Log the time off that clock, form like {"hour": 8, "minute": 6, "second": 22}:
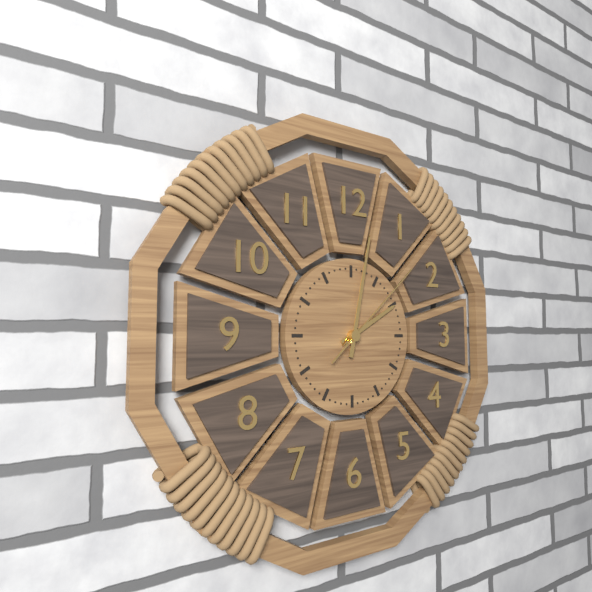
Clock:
{"hour": 2, "minute": 2, "second": 8}
